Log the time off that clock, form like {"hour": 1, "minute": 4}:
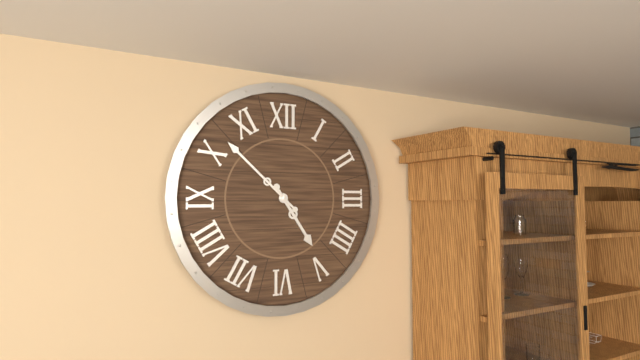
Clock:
{"hour": 4, "minute": 52}
